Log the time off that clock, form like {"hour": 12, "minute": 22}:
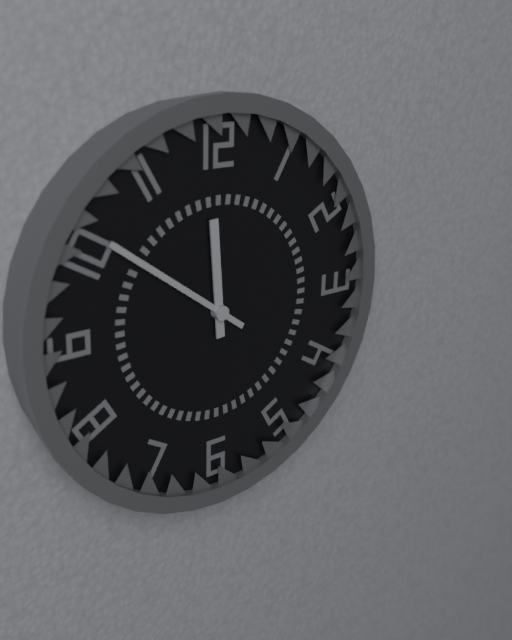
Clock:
{"hour": 11, "minute": 51}
